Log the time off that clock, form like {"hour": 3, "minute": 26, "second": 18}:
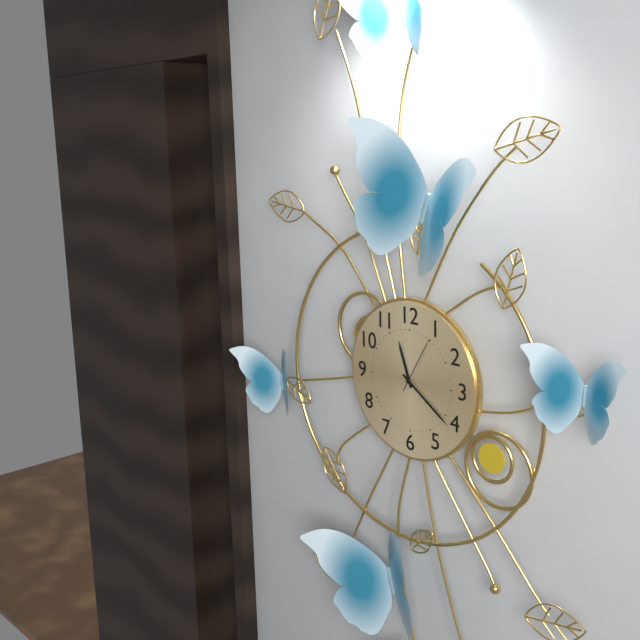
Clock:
{"hour": 11, "minute": 21, "second": 5}
